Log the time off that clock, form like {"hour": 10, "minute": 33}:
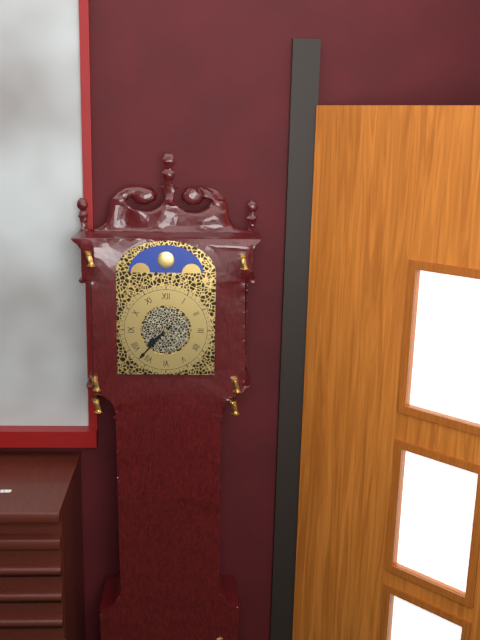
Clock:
{"hour": 7, "minute": 37}
